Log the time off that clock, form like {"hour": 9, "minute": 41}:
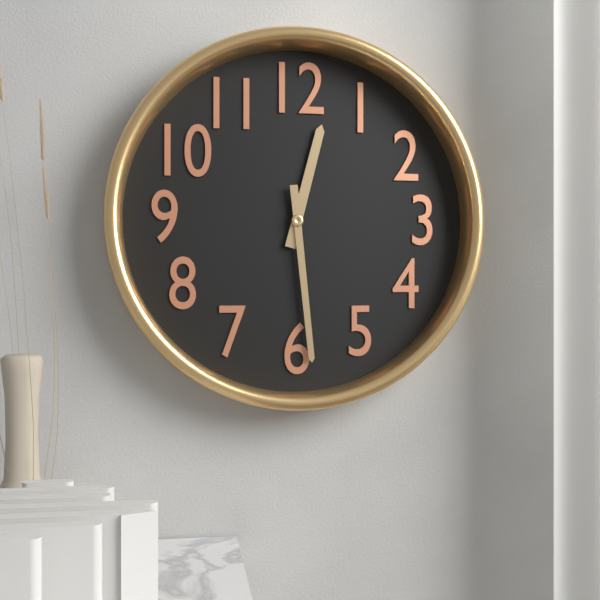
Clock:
{"hour": 12, "minute": 29}
